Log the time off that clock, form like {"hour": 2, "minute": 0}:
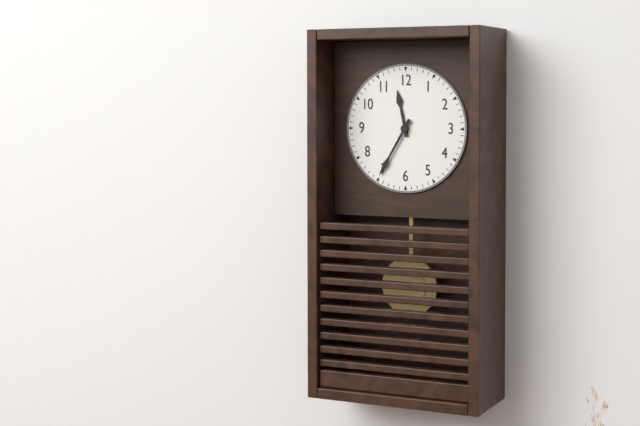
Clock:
{"hour": 11, "minute": 35}
